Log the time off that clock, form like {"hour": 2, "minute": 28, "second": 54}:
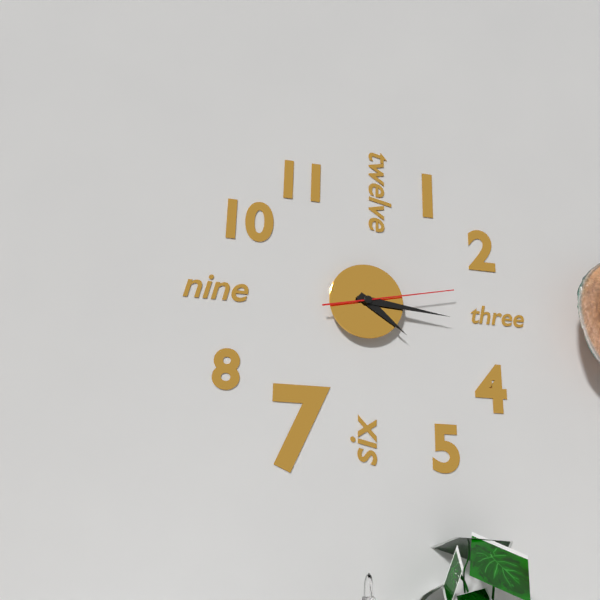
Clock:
{"hour": 4, "minute": 16, "second": 13}
